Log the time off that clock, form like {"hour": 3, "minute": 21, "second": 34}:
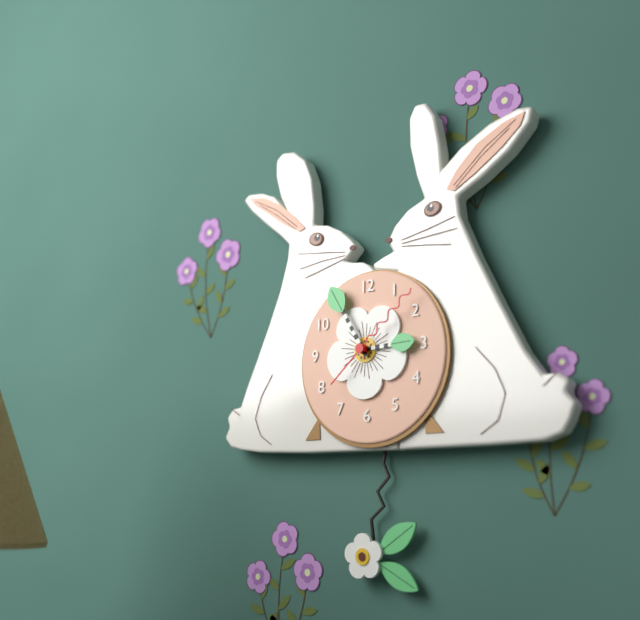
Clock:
{"hour": 2, "minute": 55, "second": 8}
